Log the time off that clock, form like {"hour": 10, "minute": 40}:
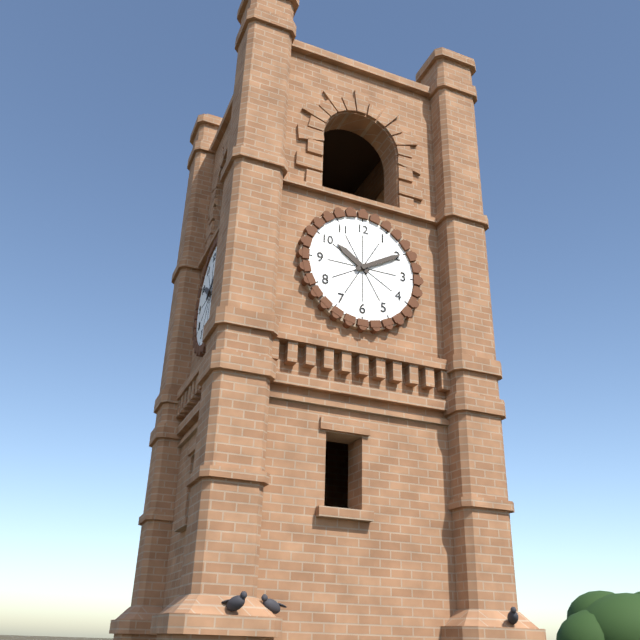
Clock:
{"hour": 10, "minute": 10}
